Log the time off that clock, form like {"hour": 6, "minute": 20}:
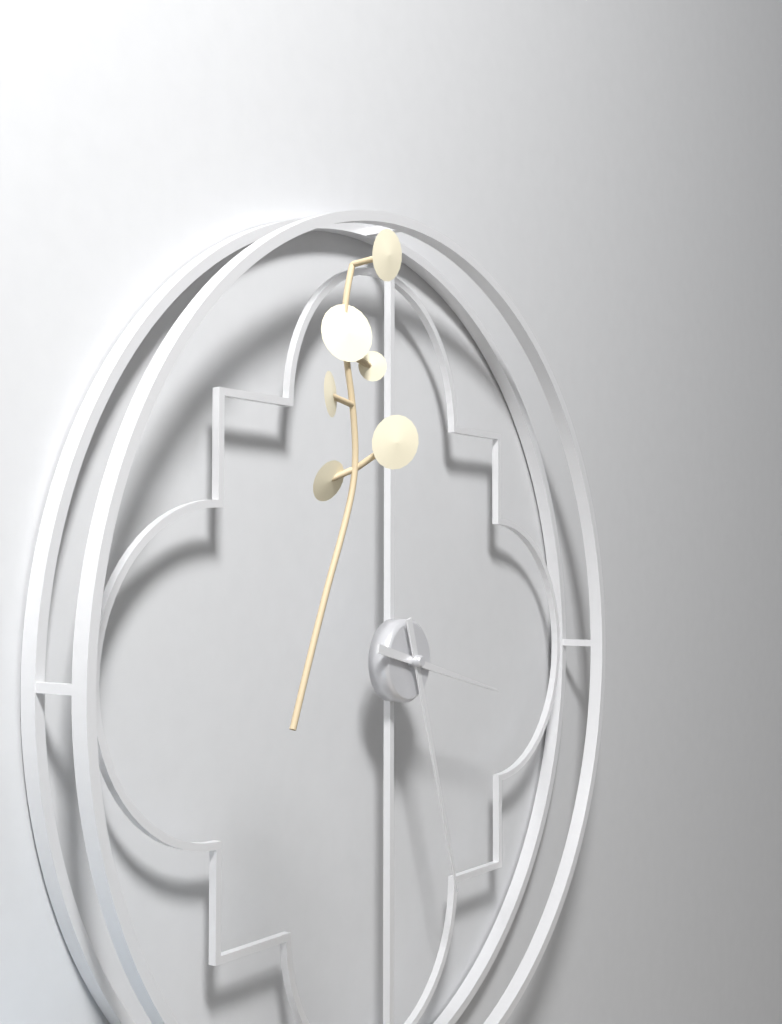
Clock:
{"hour": 3, "minute": 27}
